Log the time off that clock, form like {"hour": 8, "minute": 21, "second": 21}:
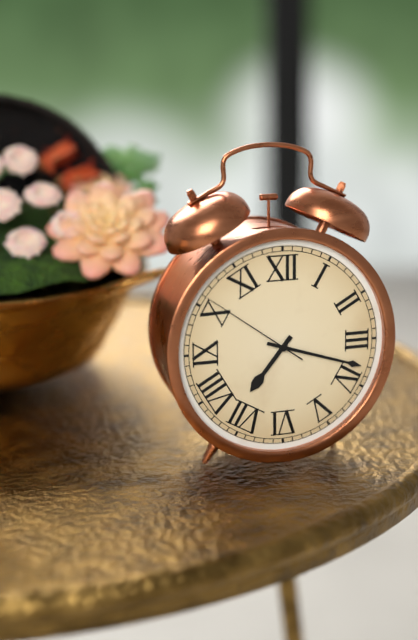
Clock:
{"hour": 7, "minute": 18, "second": 51}
